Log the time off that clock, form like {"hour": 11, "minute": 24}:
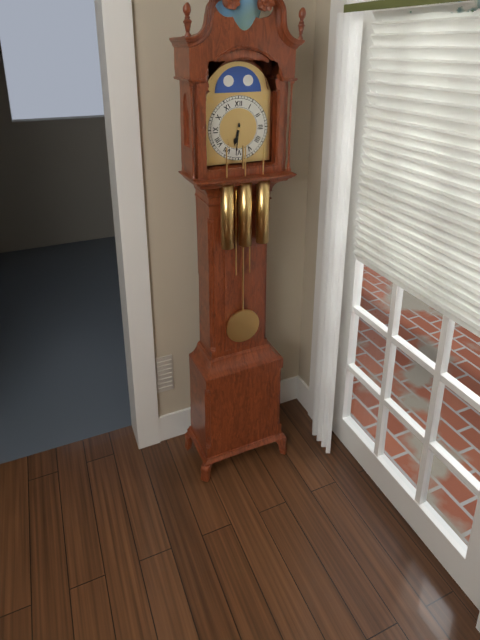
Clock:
{"hour": 6, "minute": 31}
